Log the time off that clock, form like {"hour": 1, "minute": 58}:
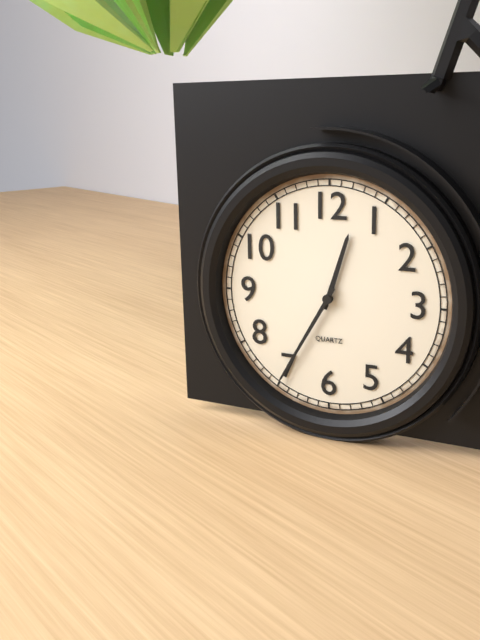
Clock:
{"hour": 12, "minute": 35}
